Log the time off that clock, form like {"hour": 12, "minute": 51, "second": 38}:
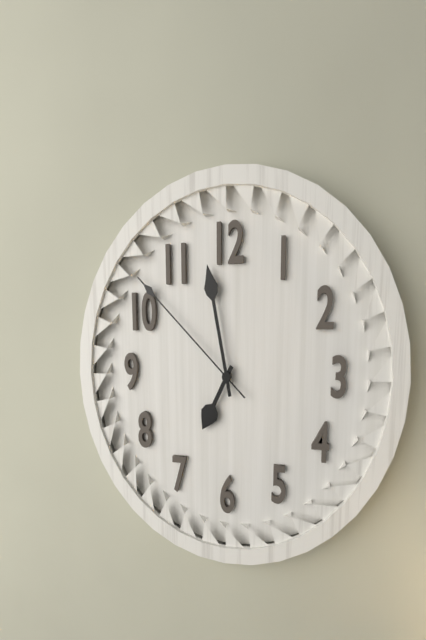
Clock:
{"hour": 6, "minute": 58, "second": 52}
